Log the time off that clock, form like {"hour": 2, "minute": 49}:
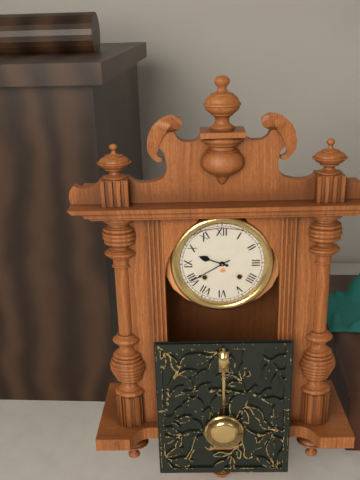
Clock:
{"hour": 9, "minute": 40}
